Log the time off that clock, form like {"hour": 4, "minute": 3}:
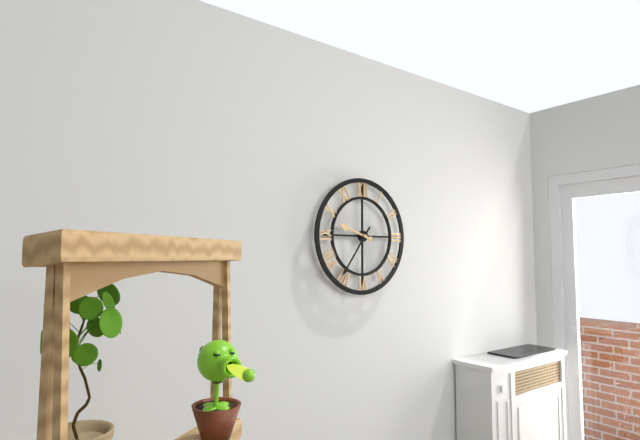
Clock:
{"hour": 9, "minute": 36}
